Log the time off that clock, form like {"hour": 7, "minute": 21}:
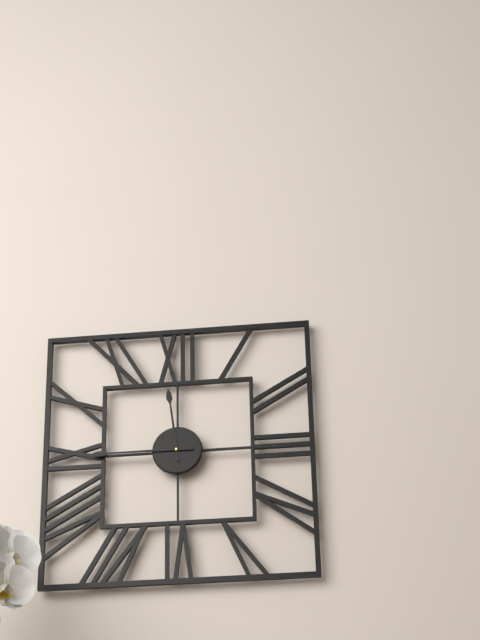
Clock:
{"hour": 11, "minute": 45}
